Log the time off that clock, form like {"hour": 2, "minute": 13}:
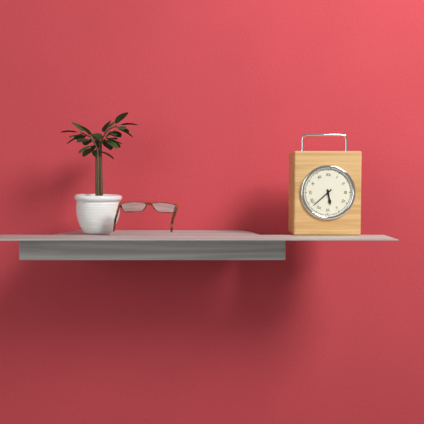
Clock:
{"hour": 5, "minute": 38}
